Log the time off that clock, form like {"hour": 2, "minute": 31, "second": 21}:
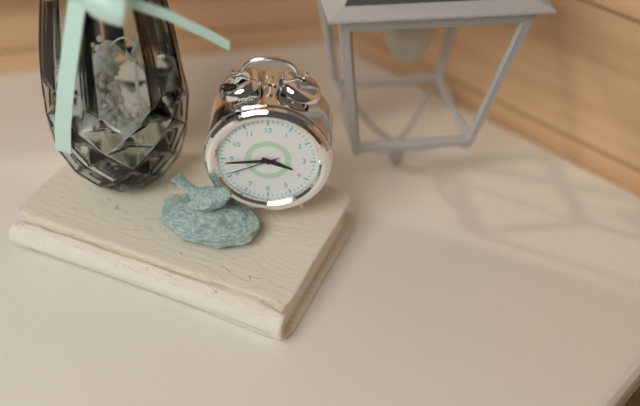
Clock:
{"hour": 3, "minute": 44, "second": 41}
